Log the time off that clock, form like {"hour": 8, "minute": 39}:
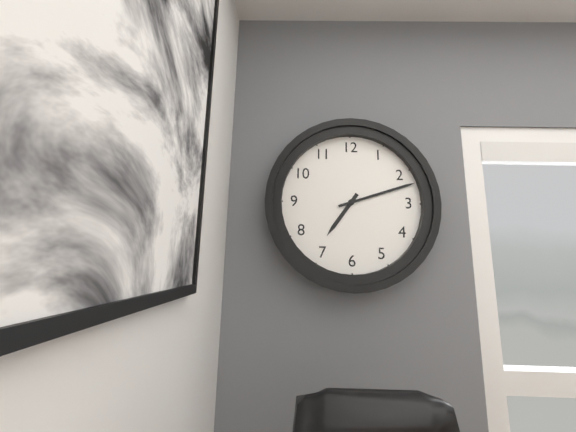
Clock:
{"hour": 7, "minute": 12}
